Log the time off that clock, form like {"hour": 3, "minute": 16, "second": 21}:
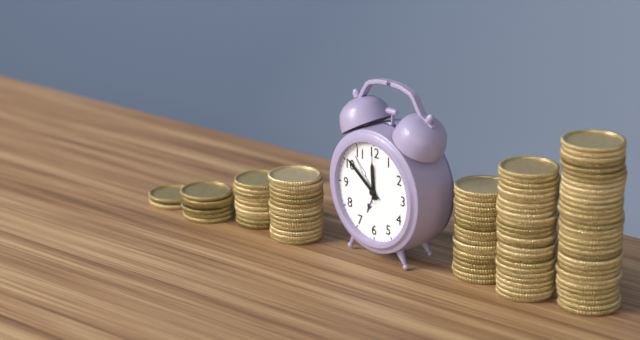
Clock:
{"hour": 11, "minute": 51, "second": 0}
